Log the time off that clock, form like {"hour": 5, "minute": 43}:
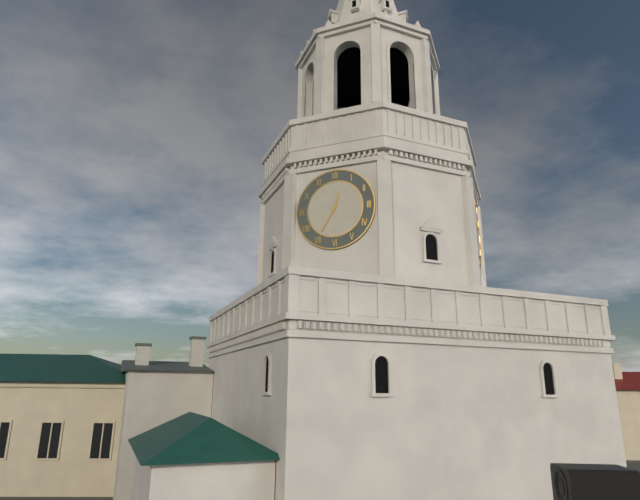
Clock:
{"hour": 12, "minute": 35}
